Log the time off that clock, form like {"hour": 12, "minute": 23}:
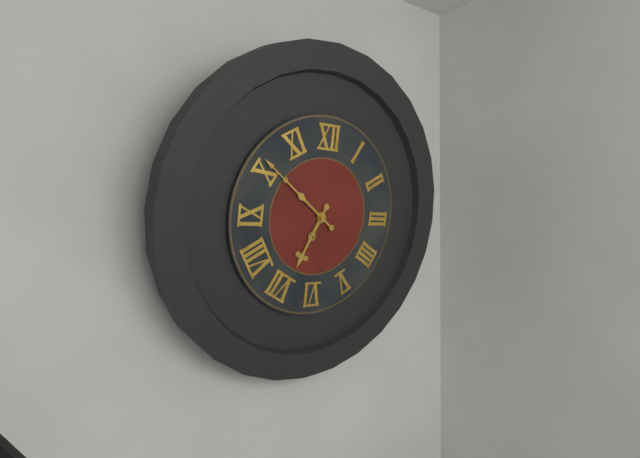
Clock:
{"hour": 6, "minute": 51}
